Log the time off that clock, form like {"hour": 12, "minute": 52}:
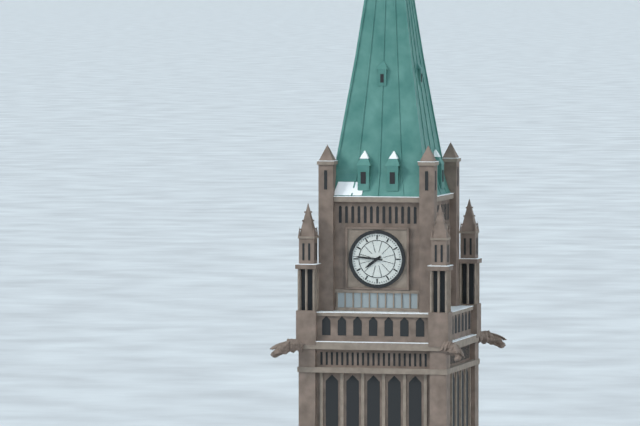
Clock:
{"hour": 7, "minute": 46}
